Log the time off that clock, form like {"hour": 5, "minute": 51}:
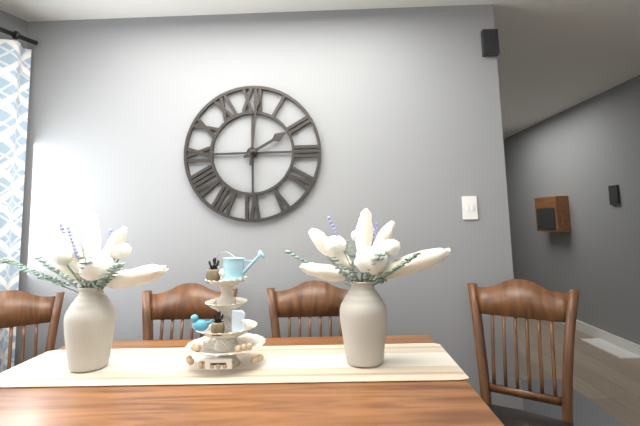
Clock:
{"hour": 2, "minute": 1}
